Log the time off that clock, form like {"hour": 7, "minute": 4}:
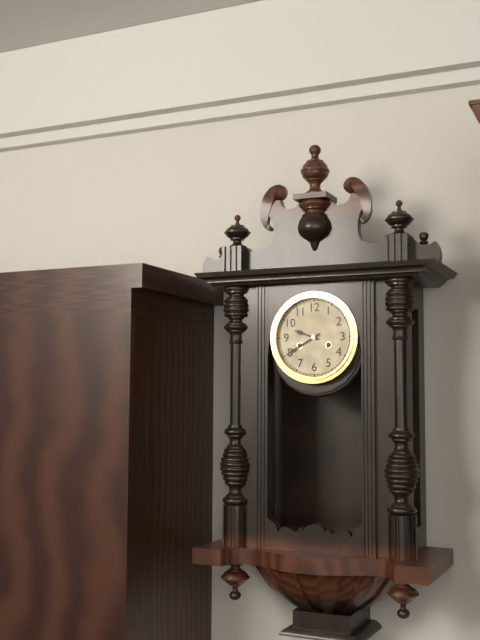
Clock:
{"hour": 9, "minute": 40}
